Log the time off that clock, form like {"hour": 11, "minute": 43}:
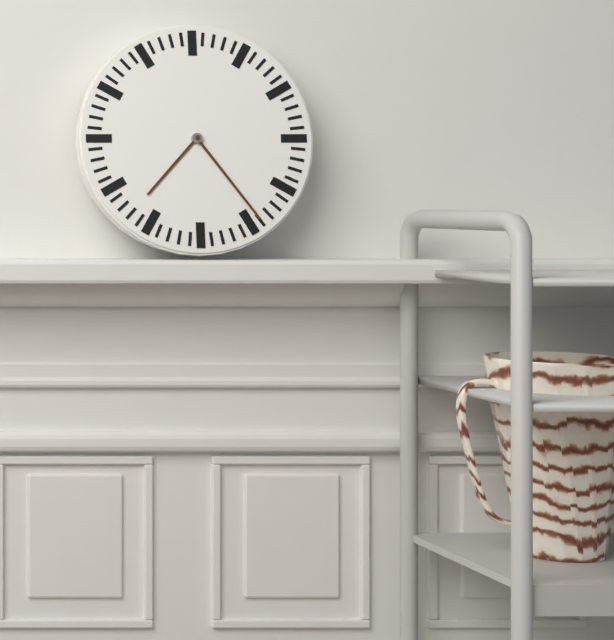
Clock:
{"hour": 7, "minute": 24}
